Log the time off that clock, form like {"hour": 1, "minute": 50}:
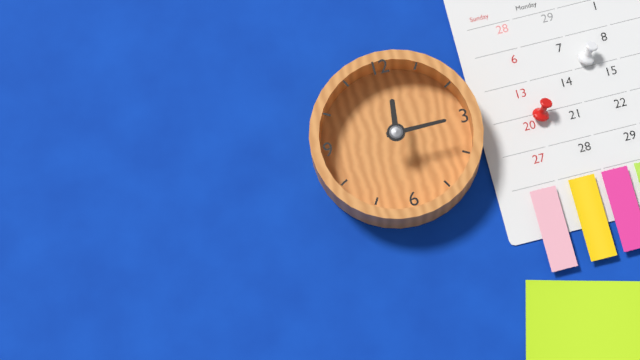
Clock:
{"hour": 12, "minute": 15}
